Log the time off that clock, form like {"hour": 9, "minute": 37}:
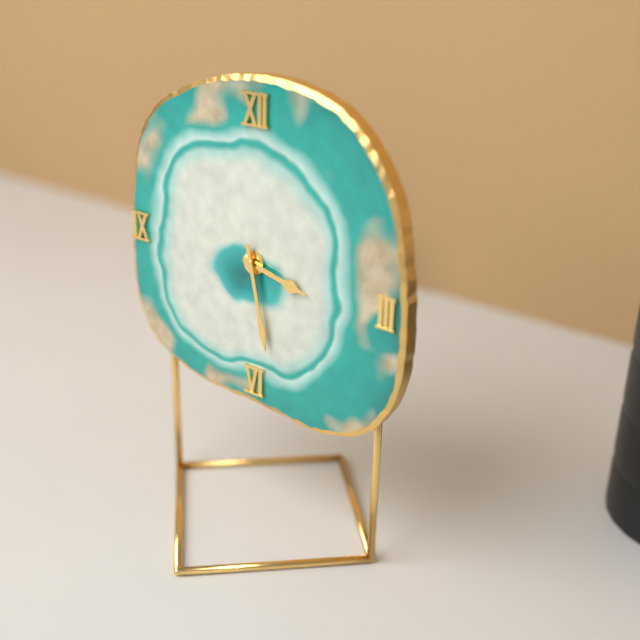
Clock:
{"hour": 3, "minute": 28}
